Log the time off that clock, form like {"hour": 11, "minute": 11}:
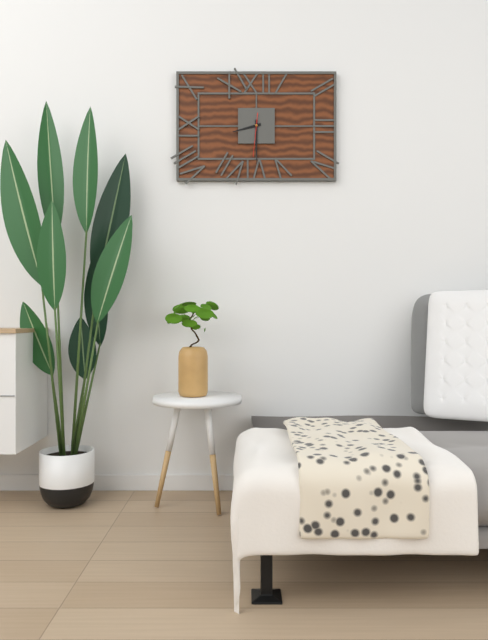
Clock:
{"hour": 8, "minute": 30}
